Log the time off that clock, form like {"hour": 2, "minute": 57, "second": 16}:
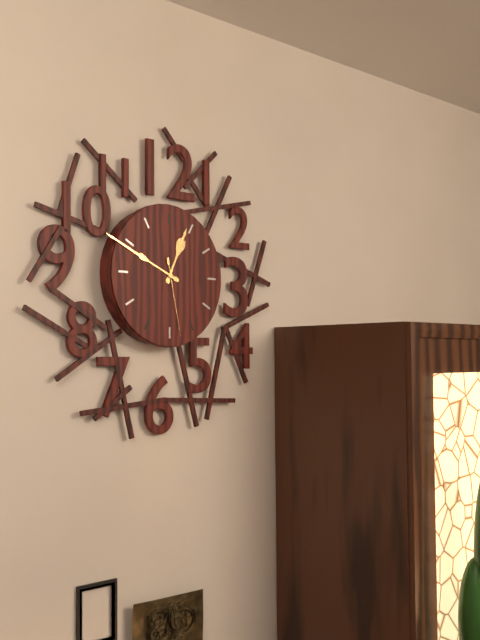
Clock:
{"hour": 12, "minute": 49, "second": 28}
